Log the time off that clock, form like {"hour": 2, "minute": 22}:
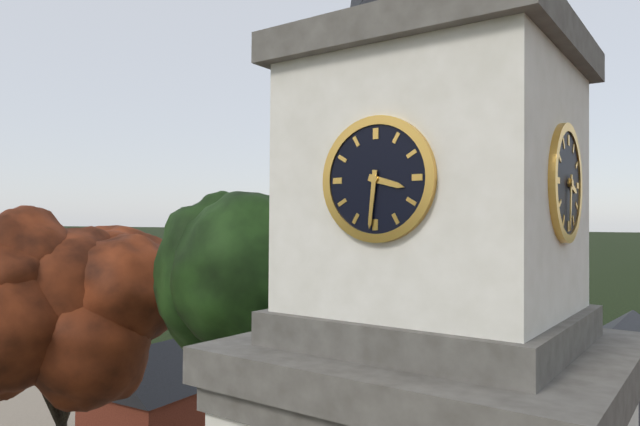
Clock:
{"hour": 3, "minute": 31}
